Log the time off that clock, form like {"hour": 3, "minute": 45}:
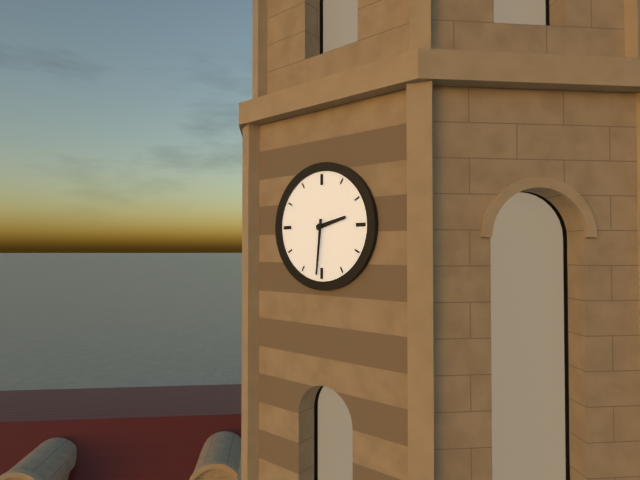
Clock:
{"hour": 2, "minute": 31}
